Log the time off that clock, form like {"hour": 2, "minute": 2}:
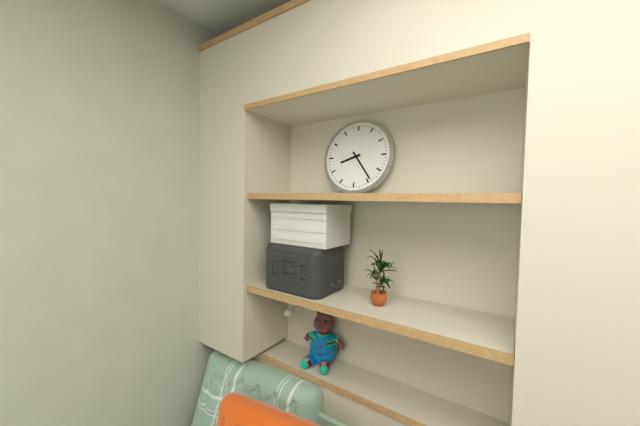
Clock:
{"hour": 8, "minute": 24}
